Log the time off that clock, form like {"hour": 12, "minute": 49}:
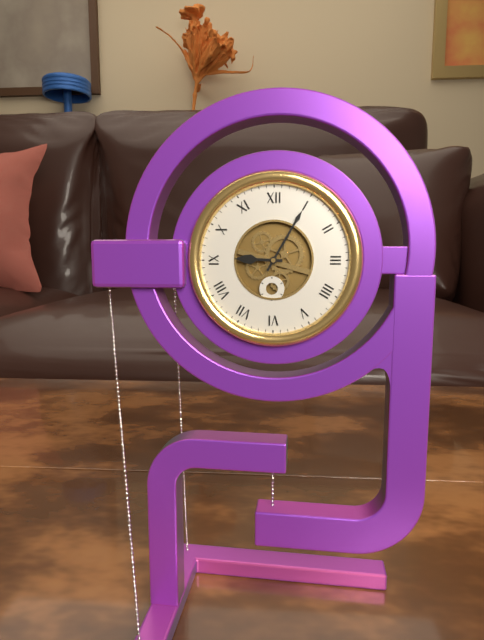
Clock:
{"hour": 9, "minute": 5}
